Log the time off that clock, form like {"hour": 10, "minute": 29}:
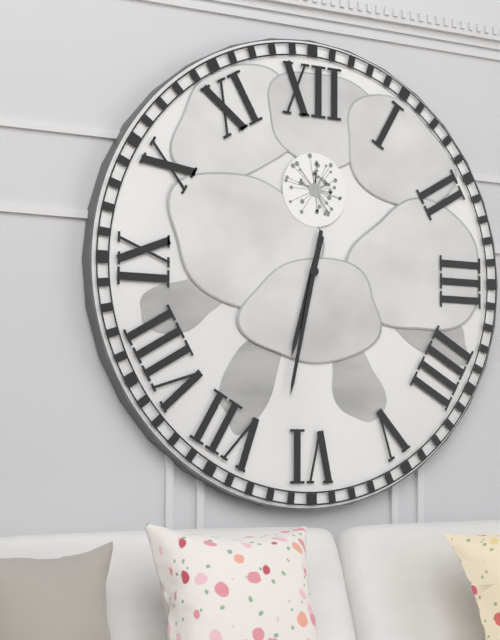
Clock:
{"hour": 6, "minute": 32}
